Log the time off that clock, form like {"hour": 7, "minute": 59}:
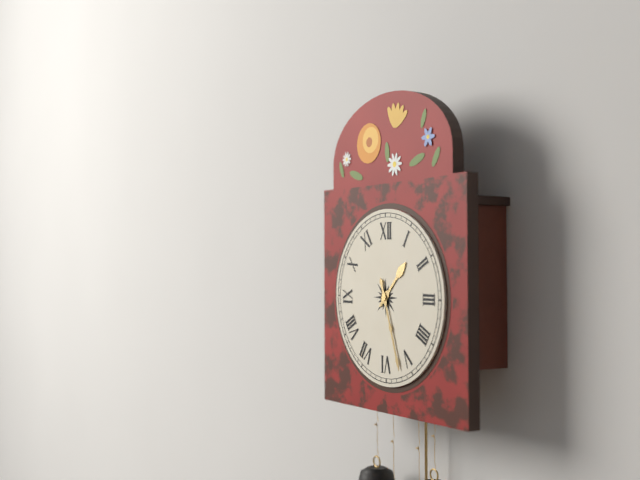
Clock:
{"hour": 1, "minute": 27}
